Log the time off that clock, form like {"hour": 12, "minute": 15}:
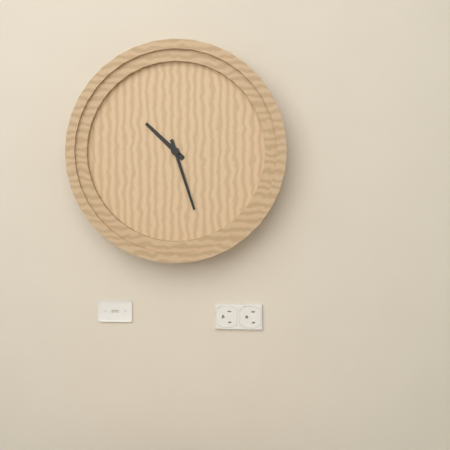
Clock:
{"hour": 10, "minute": 27}
